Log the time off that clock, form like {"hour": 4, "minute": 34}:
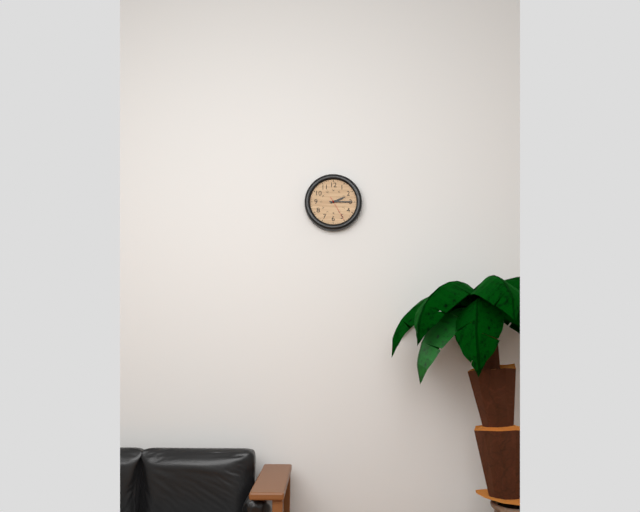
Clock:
{"hour": 2, "minute": 15}
